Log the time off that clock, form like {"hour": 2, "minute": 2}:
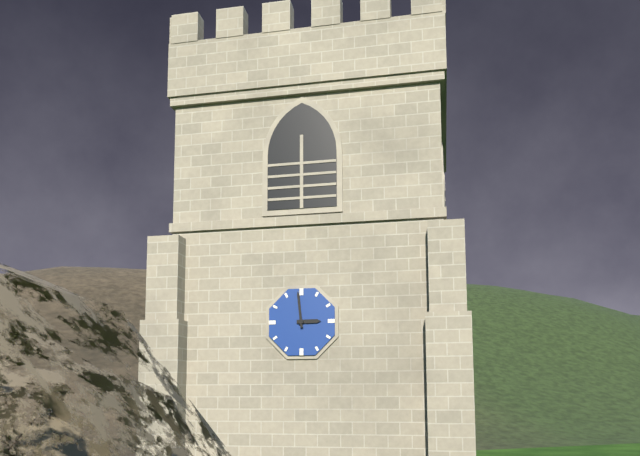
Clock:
{"hour": 2, "minute": 59}
